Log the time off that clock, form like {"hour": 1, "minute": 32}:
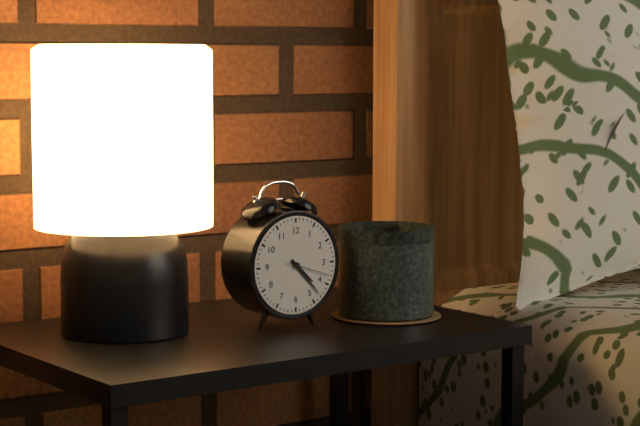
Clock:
{"hour": 4, "minute": 23}
